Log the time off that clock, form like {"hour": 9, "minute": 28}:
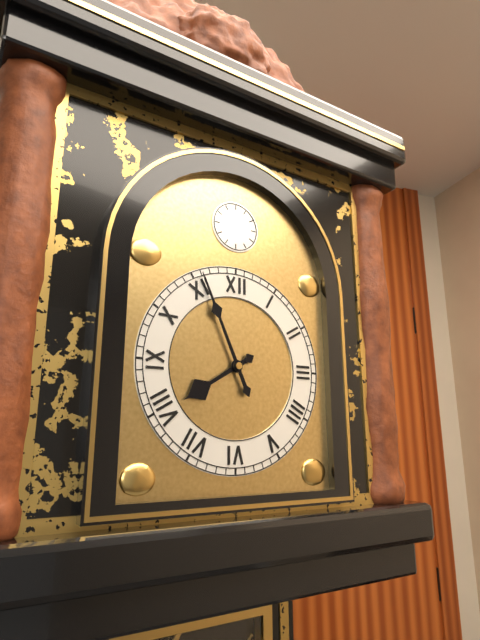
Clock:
{"hour": 7, "minute": 56}
